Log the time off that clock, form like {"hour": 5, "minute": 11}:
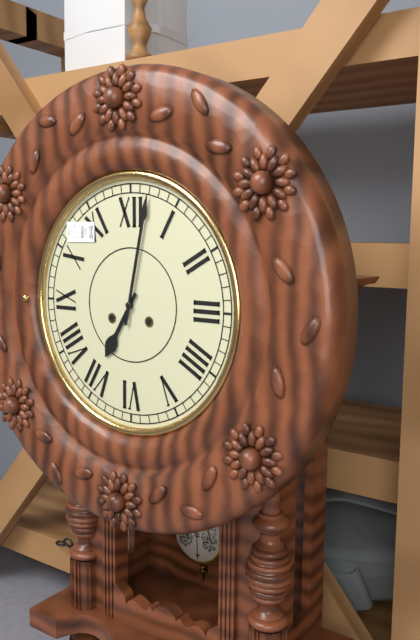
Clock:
{"hour": 7, "minute": 2}
